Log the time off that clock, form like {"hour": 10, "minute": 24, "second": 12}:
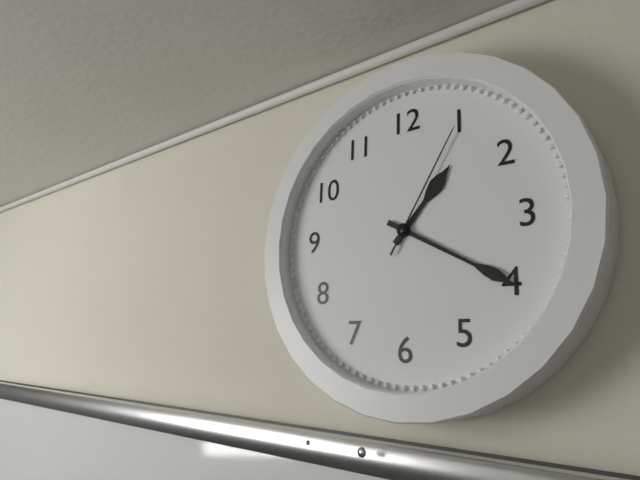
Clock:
{"hour": 1, "minute": 20, "second": 5}
